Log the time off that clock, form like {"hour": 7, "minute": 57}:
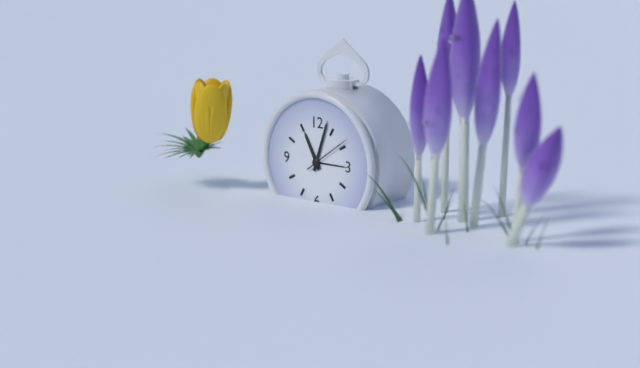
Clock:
{"hour": 11, "minute": 3}
